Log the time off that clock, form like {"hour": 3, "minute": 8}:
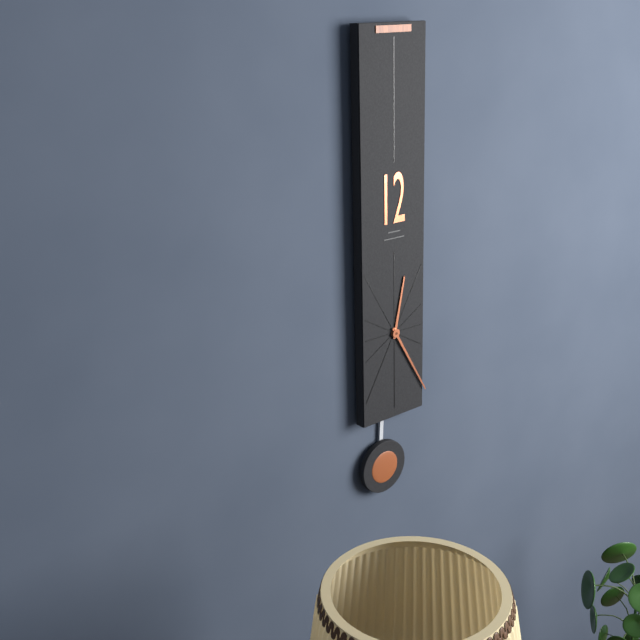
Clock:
{"hour": 12, "minute": 25}
